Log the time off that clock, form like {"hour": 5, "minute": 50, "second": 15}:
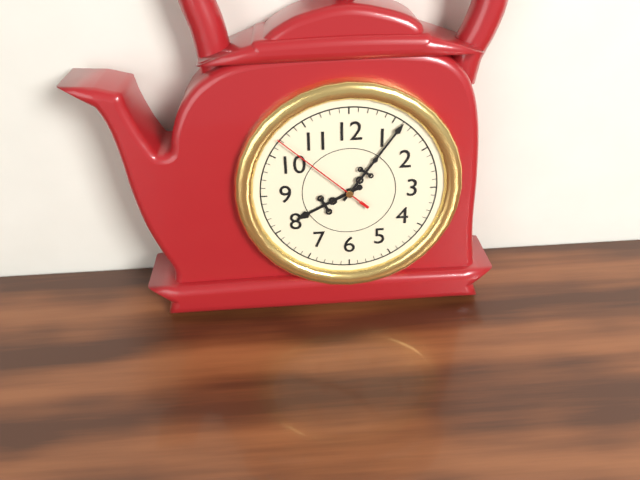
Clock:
{"hour": 8, "minute": 6, "second": 52}
